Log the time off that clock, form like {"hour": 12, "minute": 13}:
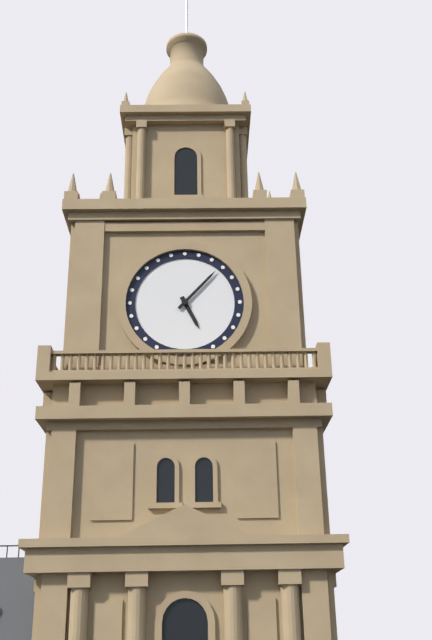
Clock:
{"hour": 5, "minute": 7}
